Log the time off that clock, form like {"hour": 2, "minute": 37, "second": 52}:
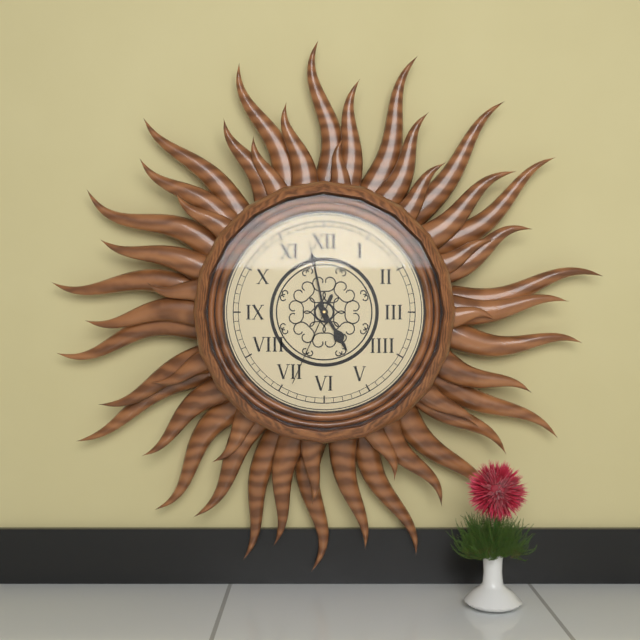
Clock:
{"hour": 4, "minute": 58, "second": 34}
